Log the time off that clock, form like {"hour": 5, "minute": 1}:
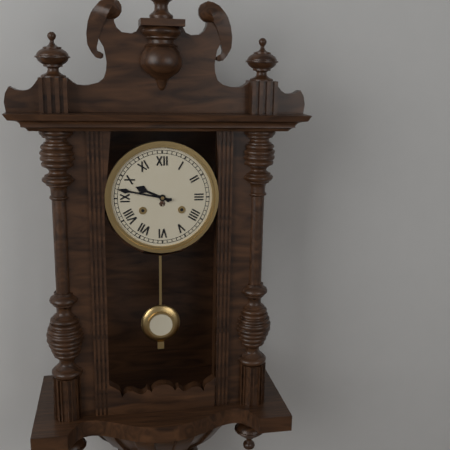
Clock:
{"hour": 9, "minute": 47}
